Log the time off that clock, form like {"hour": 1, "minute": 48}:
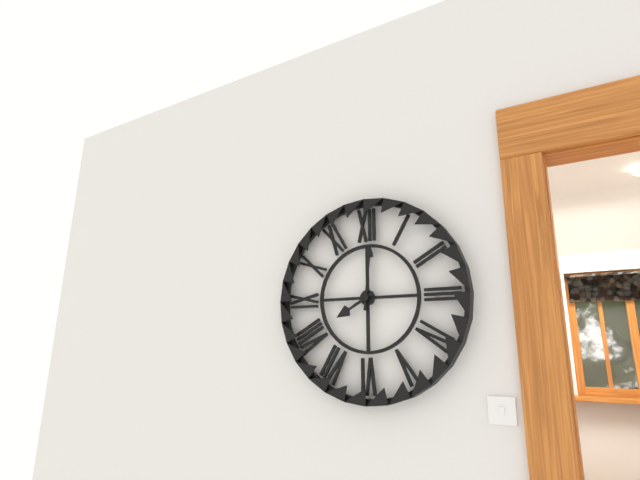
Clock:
{"hour": 8, "minute": 1}
